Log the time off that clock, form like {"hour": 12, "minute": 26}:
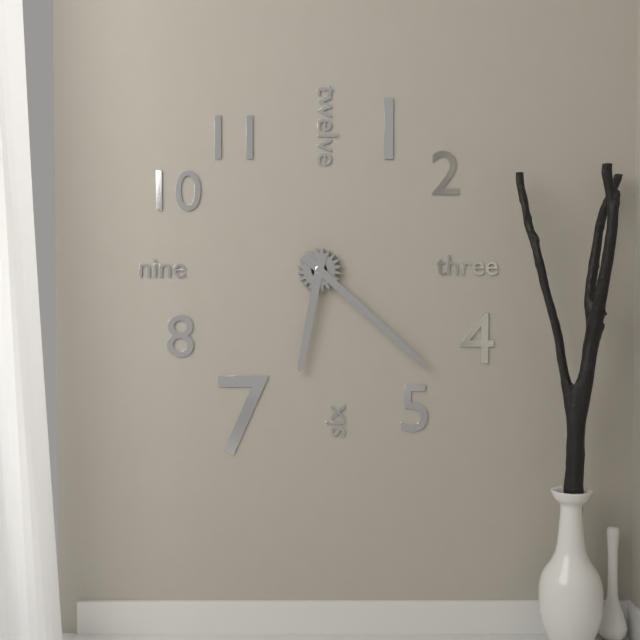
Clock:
{"hour": 6, "minute": 22}
